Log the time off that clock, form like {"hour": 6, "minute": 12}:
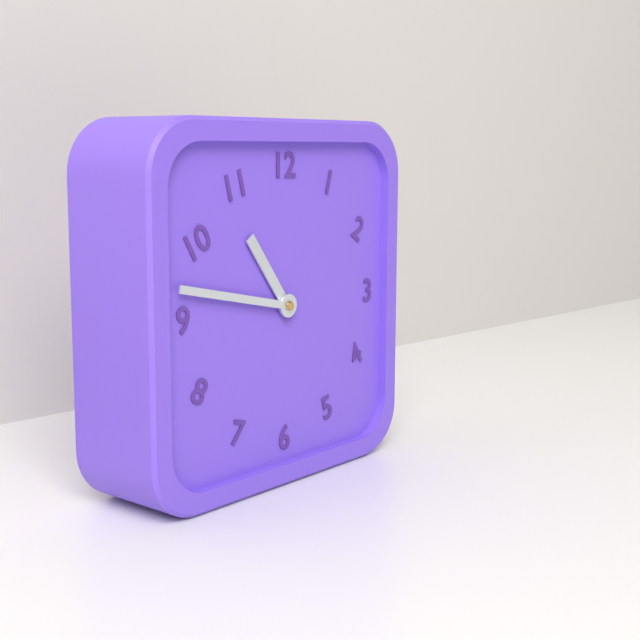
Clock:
{"hour": 10, "minute": 47}
